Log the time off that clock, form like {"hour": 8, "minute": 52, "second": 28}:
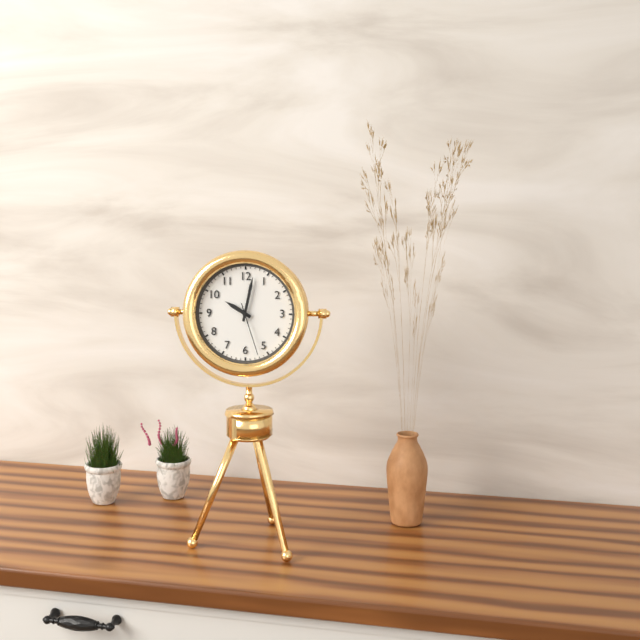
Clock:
{"hour": 10, "minute": 2, "second": 27}
